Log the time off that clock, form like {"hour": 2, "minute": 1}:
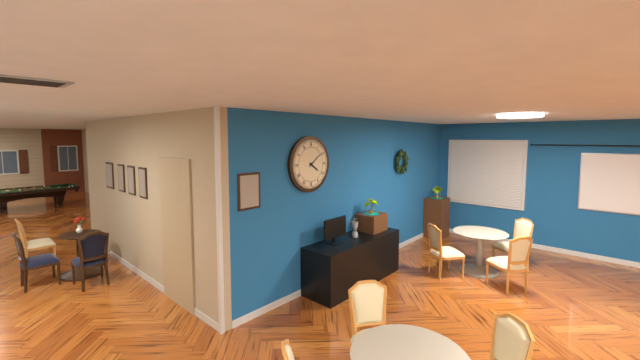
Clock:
{"hour": 4, "minute": 9}
